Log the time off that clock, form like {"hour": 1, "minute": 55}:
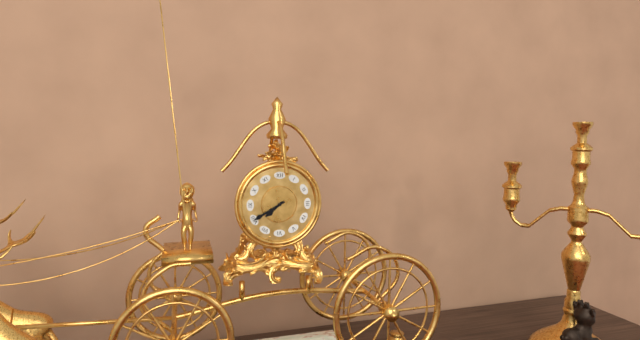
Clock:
{"hour": 7, "minute": 40}
